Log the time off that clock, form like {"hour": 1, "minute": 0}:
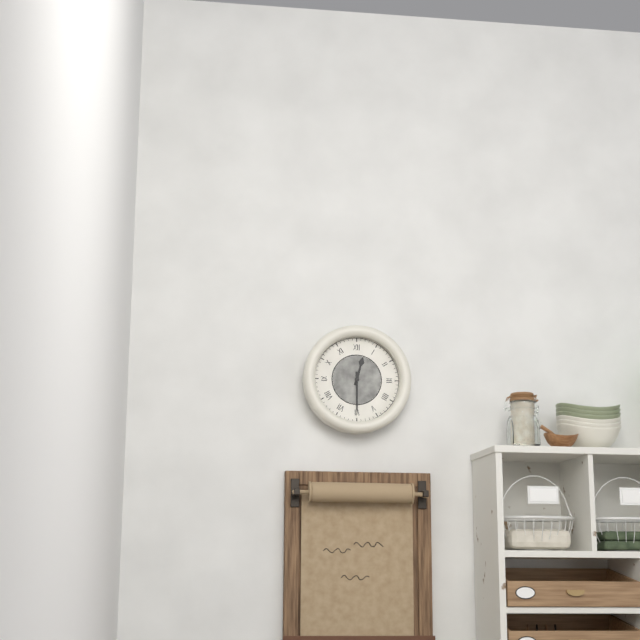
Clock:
{"hour": 12, "minute": 30}
